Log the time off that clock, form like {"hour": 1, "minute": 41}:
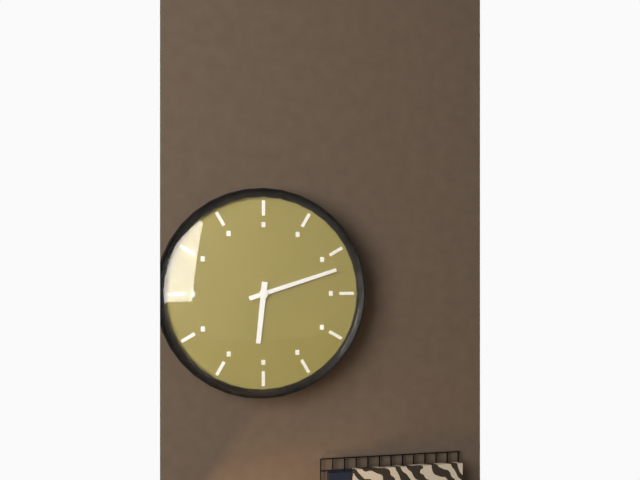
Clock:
{"hour": 6, "minute": 12}
